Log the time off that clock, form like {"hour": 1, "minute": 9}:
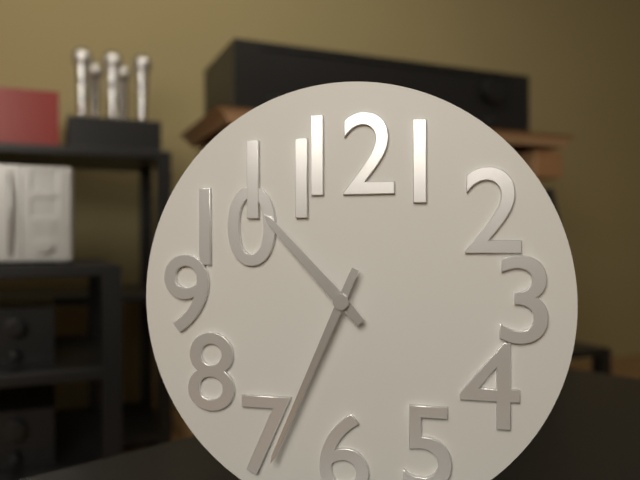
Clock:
{"hour": 10, "minute": 34}
